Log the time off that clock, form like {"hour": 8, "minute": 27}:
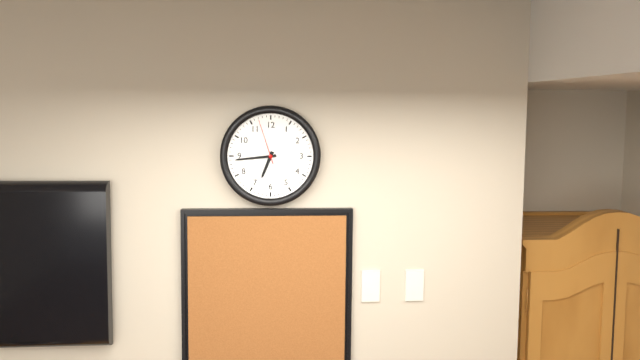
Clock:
{"hour": 6, "minute": 44}
